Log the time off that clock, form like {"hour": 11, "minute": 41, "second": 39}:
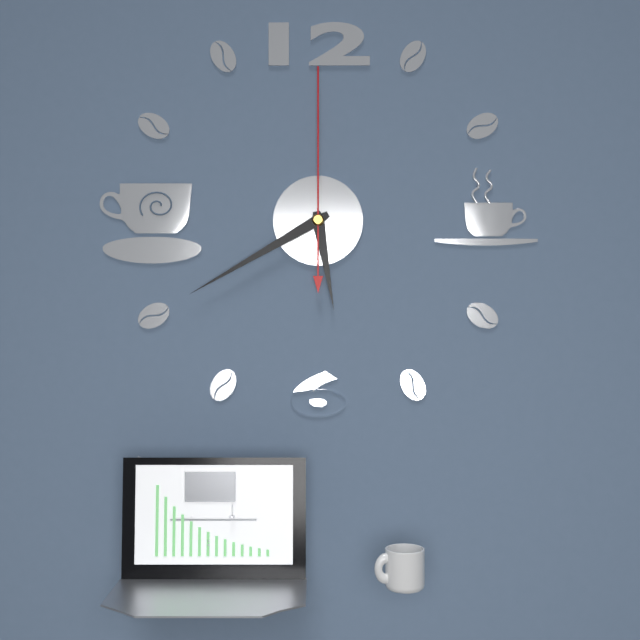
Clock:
{"hour": 5, "minute": 40, "second": 0}
